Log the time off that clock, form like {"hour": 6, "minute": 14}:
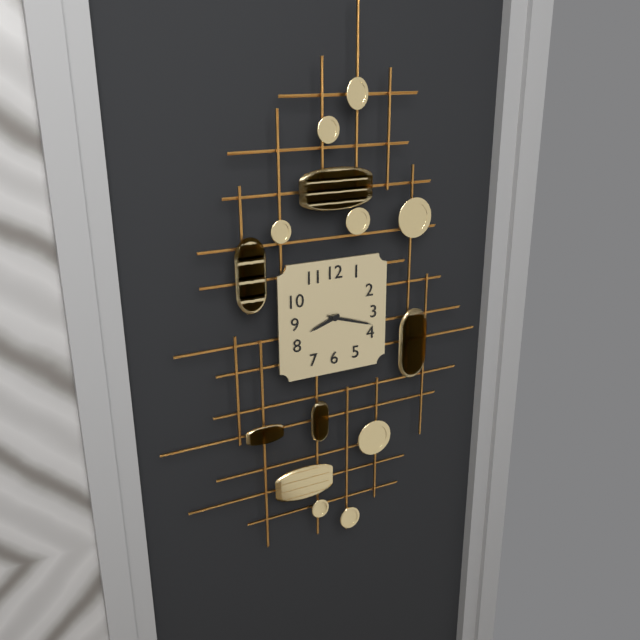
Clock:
{"hour": 8, "minute": 18}
